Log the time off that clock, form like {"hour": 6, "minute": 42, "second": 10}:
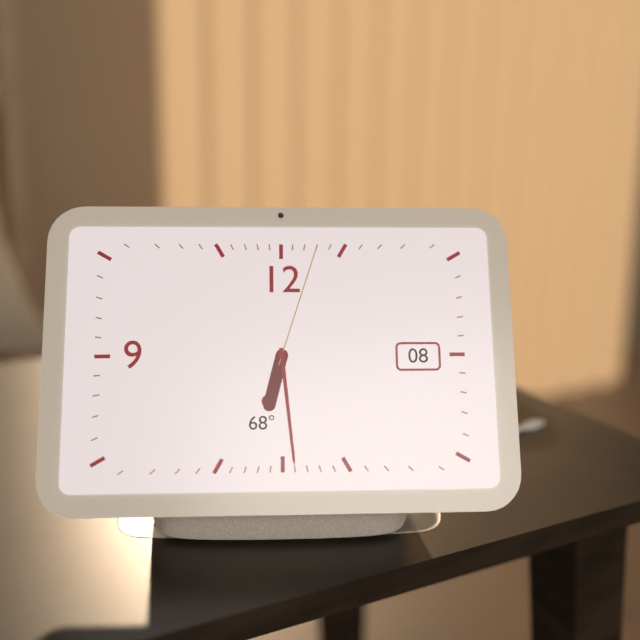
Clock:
{"hour": 6, "minute": 29, "second": 3}
